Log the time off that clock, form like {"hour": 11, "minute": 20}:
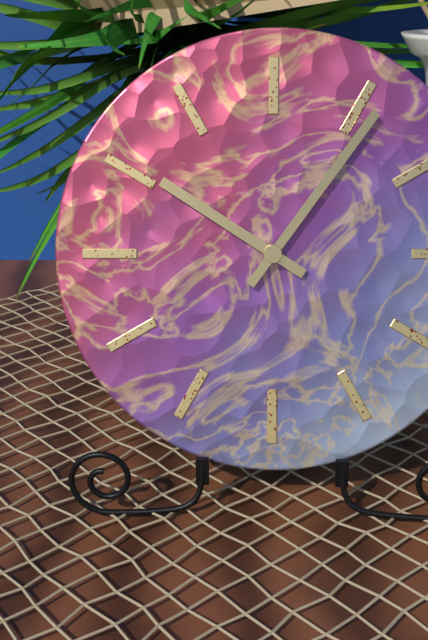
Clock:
{"hour": 10, "minute": 6}
